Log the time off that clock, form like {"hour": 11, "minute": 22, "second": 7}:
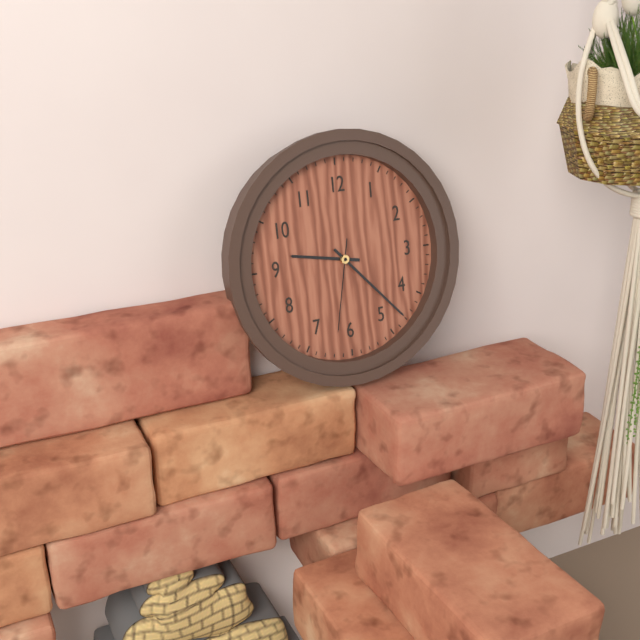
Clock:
{"hour": 9, "minute": 23, "second": 32}
